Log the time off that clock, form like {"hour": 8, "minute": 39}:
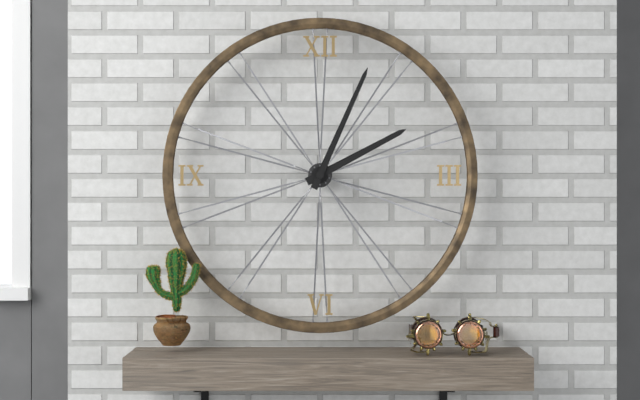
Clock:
{"hour": 2, "minute": 4}
